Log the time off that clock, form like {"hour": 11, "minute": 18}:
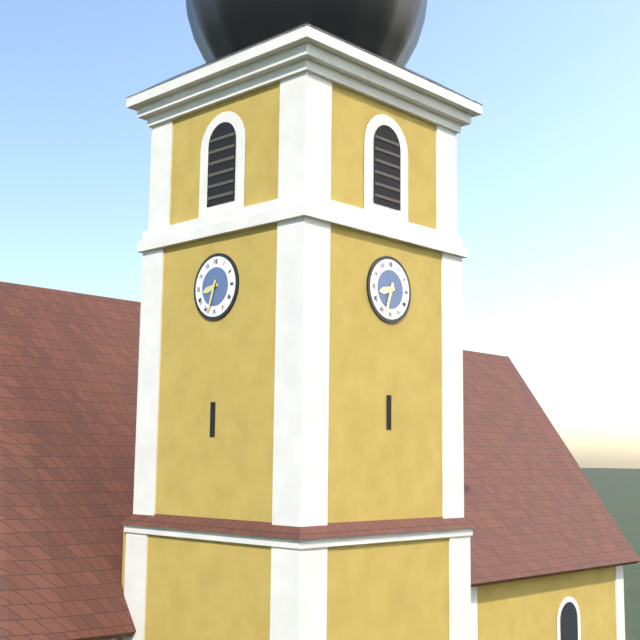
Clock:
{"hour": 8, "minute": 33}
